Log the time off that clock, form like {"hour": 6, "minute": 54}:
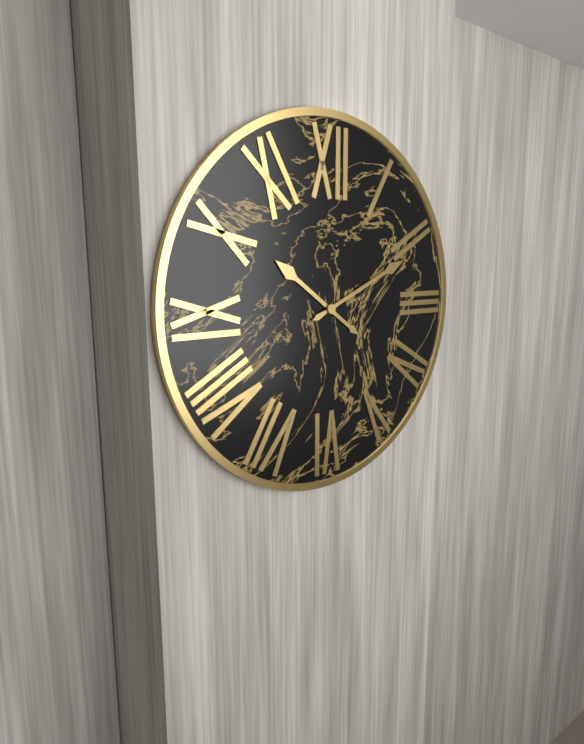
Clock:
{"hour": 10, "minute": 11}
